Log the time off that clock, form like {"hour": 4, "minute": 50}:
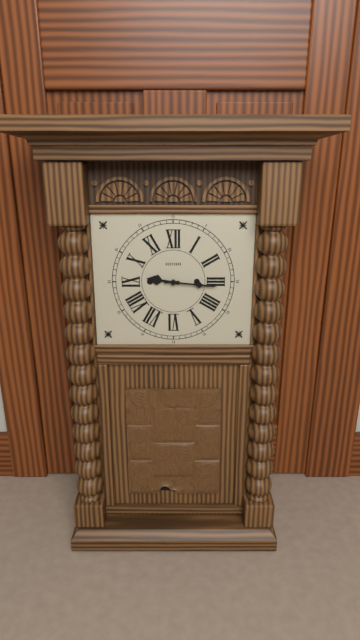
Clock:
{"hour": 9, "minute": 16}
